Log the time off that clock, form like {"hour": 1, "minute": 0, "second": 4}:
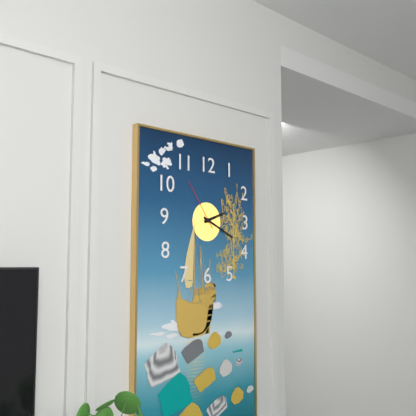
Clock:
{"hour": 2, "minute": 19, "second": 54}
